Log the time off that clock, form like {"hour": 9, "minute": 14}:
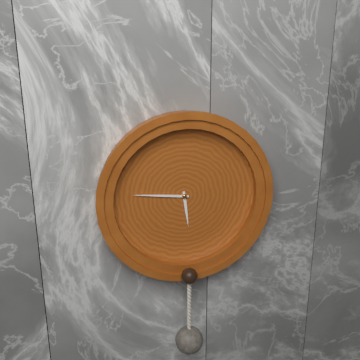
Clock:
{"hour": 5, "minute": 46}
